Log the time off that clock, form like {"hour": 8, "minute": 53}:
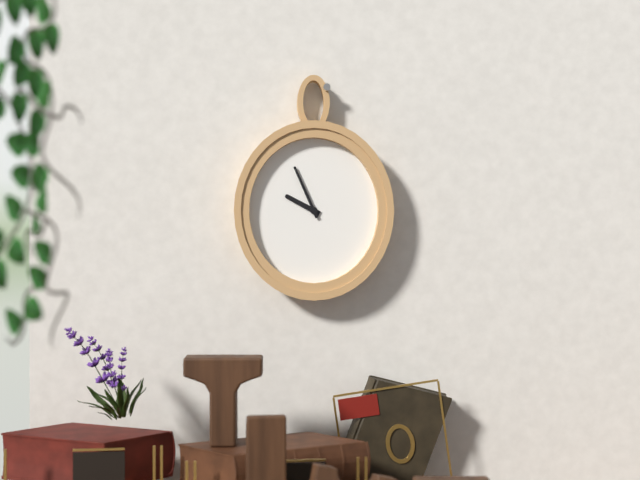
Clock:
{"hour": 9, "minute": 56}
